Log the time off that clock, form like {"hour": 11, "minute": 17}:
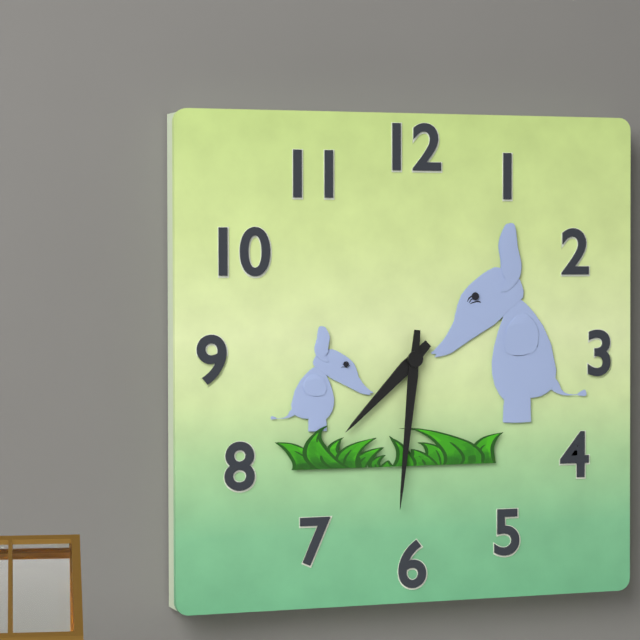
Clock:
{"hour": 7, "minute": 31}
